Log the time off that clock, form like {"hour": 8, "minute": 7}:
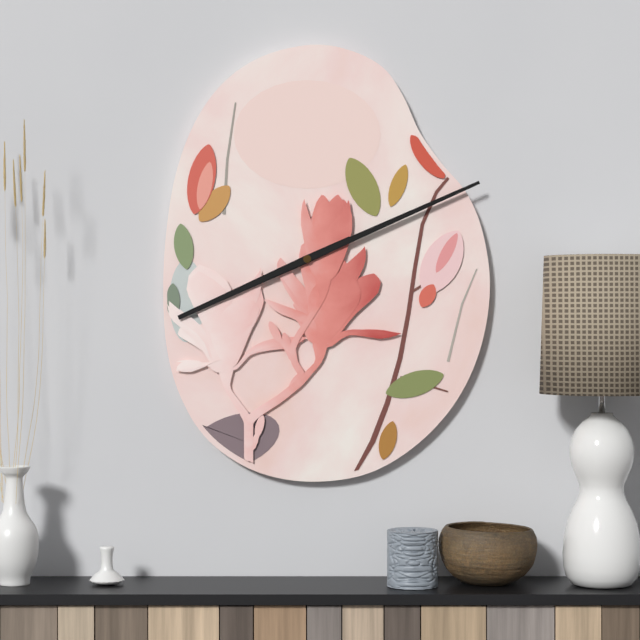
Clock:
{"hour": 8, "minute": 11}
